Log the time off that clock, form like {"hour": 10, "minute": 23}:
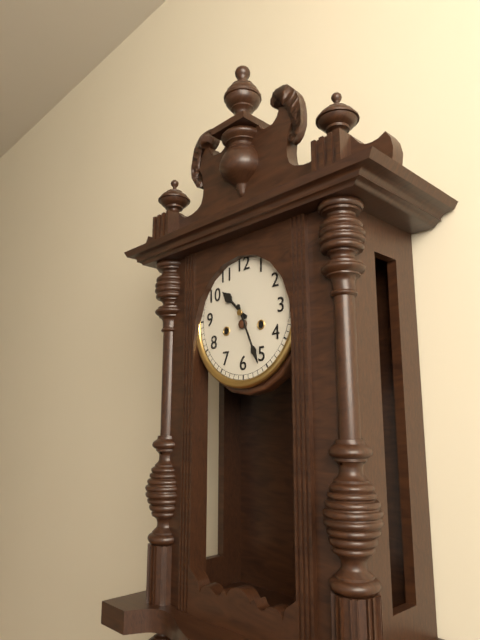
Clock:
{"hour": 10, "minute": 26}
